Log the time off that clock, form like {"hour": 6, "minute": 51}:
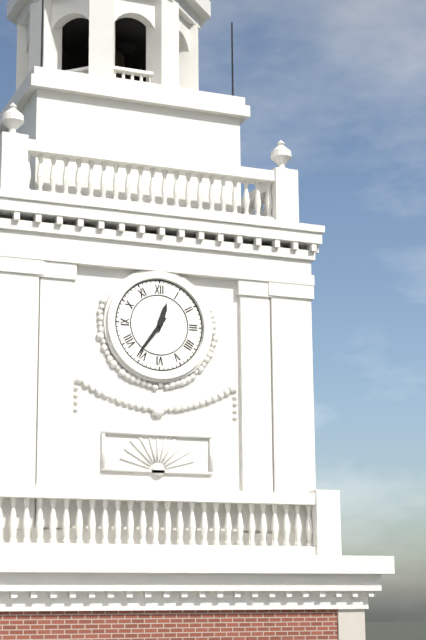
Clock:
{"hour": 12, "minute": 36}
